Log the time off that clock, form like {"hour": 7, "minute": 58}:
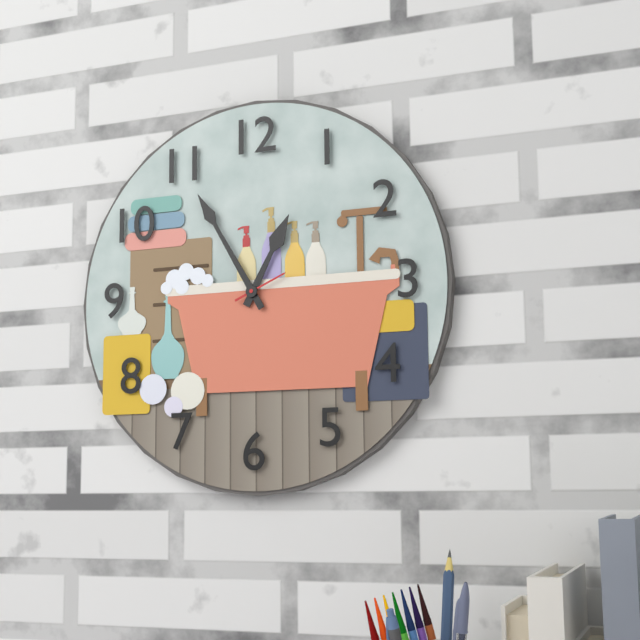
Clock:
{"hour": 12, "minute": 55}
